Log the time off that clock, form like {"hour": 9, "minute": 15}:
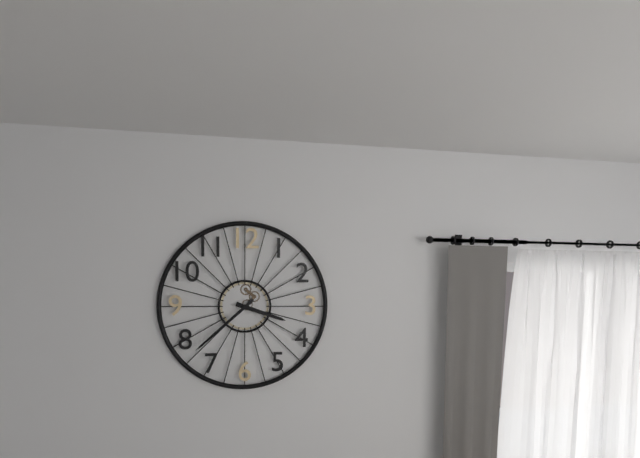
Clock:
{"hour": 3, "minute": 38}
